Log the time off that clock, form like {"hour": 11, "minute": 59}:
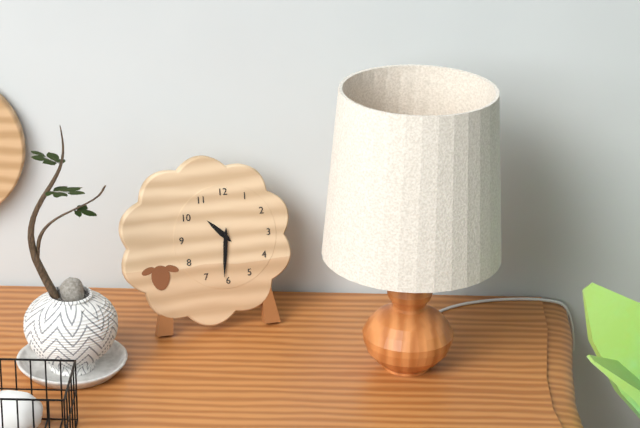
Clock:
{"hour": 10, "minute": 31}
